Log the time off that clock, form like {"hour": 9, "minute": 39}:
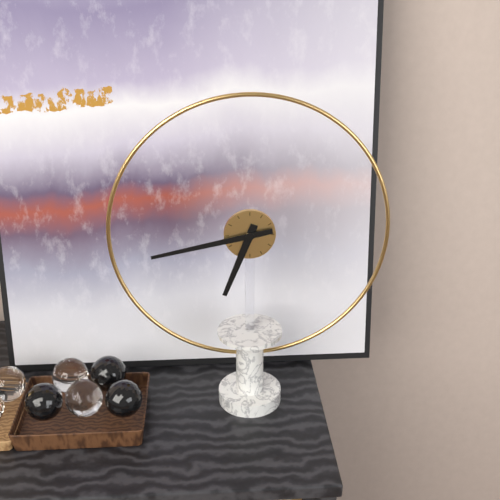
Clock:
{"hour": 6, "minute": 43}
